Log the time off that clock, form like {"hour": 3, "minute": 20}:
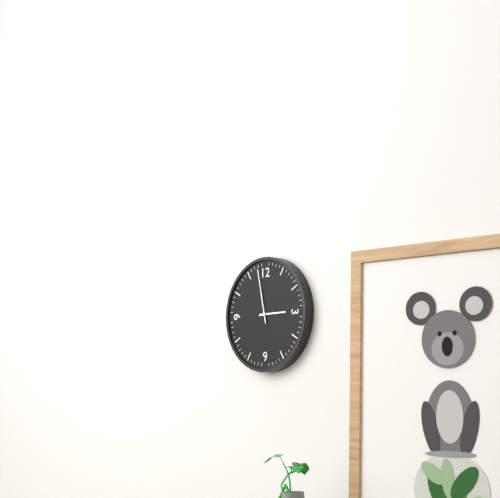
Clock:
{"hour": 2, "minute": 58}
